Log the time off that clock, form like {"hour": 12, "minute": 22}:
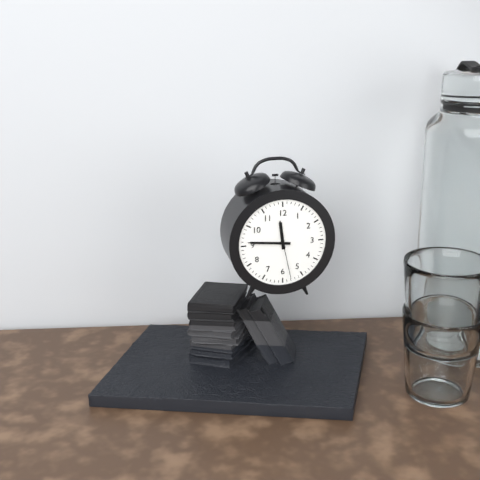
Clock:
{"hour": 11, "minute": 46}
